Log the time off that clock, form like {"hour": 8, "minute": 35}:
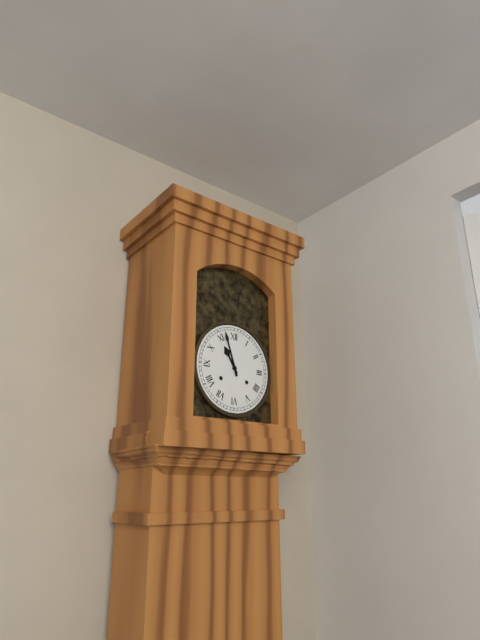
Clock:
{"hour": 10, "minute": 57}
